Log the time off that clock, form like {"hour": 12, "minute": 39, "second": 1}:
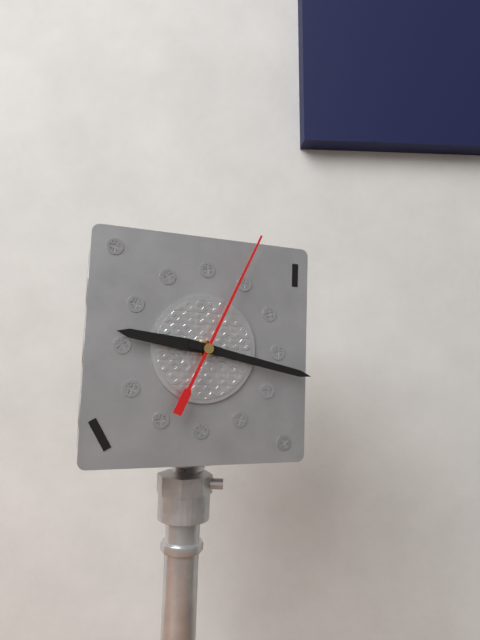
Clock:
{"hour": 9, "minute": 17, "second": 4}
